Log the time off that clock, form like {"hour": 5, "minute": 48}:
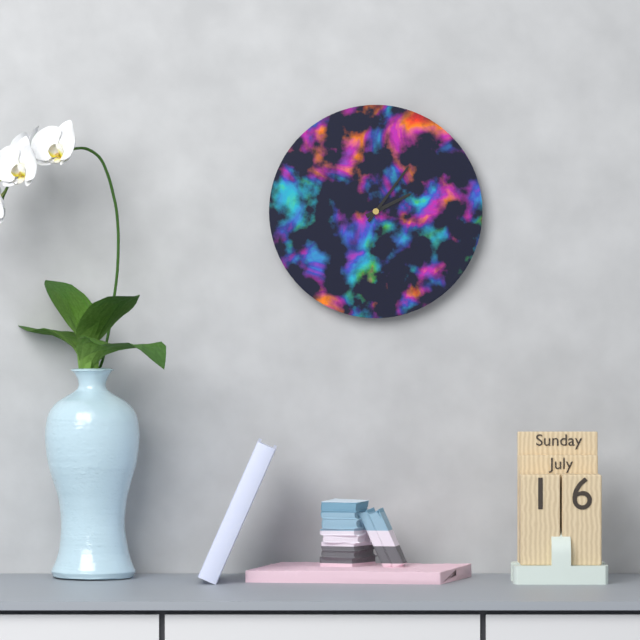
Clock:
{"hour": 2, "minute": 6}
